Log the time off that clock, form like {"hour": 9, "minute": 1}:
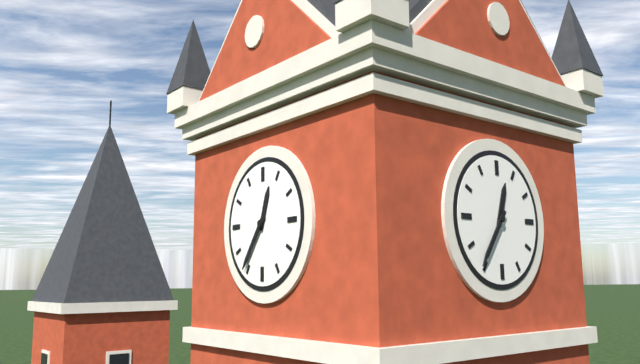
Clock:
{"hour": 12, "minute": 36}
